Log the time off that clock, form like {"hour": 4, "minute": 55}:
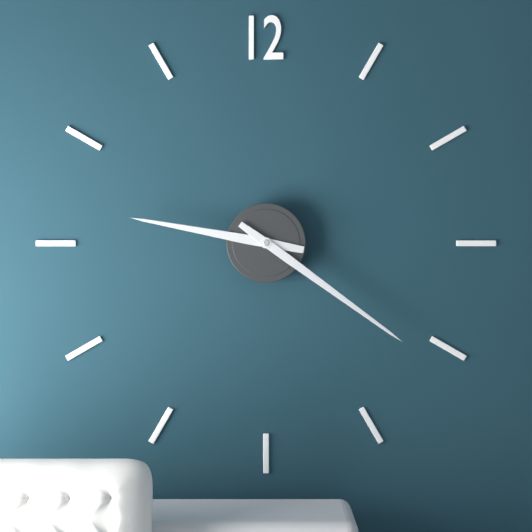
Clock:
{"hour": 9, "minute": 21}
